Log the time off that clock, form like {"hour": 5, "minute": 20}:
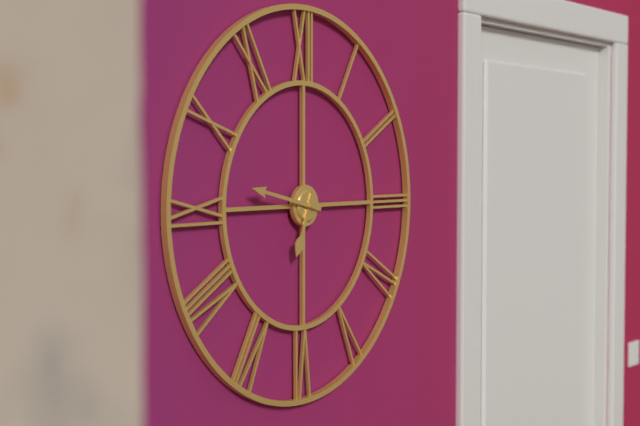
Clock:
{"hour": 6, "minute": 47}
